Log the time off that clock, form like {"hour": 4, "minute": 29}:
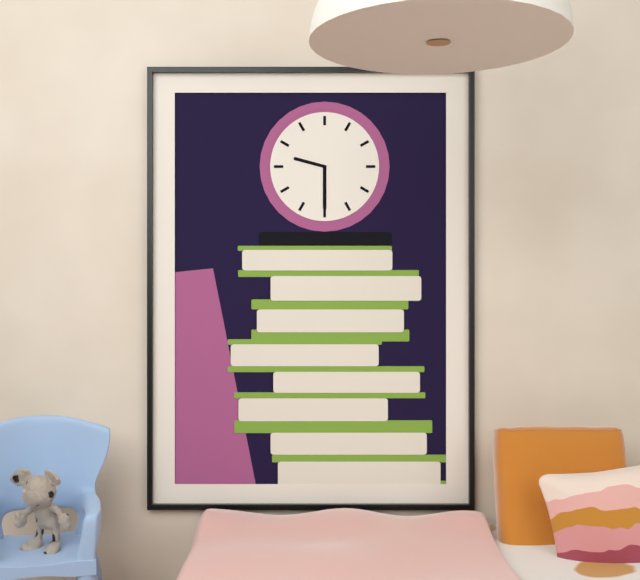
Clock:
{"hour": 9, "minute": 30}
